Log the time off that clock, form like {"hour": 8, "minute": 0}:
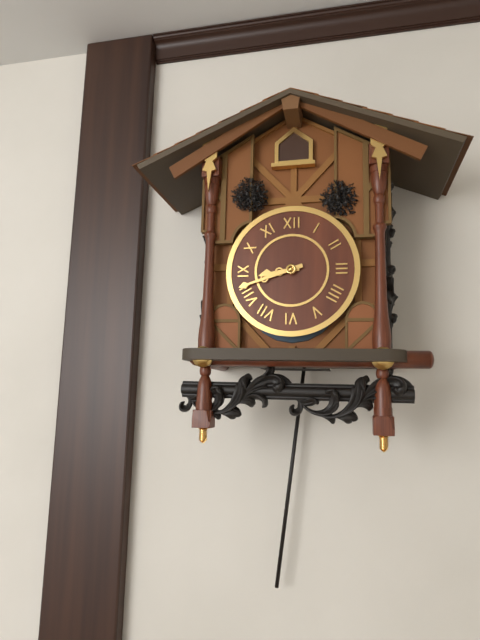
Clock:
{"hour": 8, "minute": 42}
